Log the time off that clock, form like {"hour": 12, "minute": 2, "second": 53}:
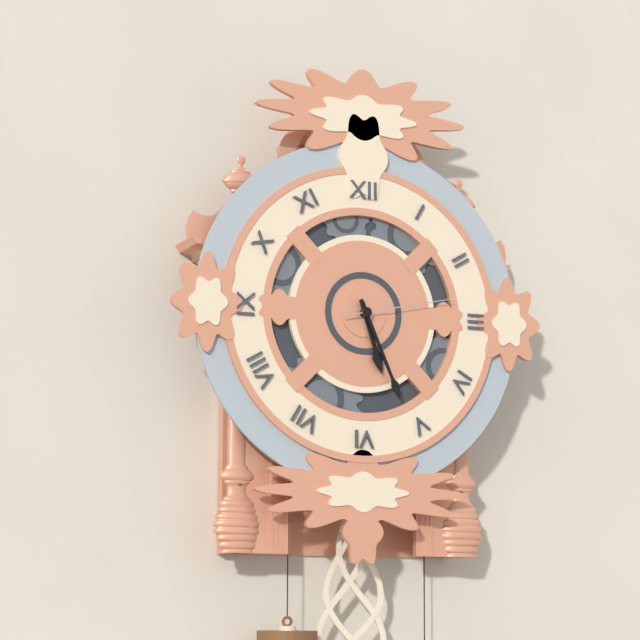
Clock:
{"hour": 5, "minute": 26, "second": 13}
